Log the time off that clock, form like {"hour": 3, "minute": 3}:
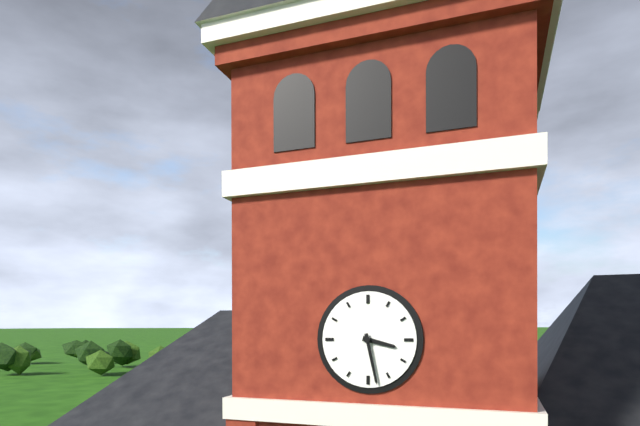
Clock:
{"hour": 3, "minute": 28}
